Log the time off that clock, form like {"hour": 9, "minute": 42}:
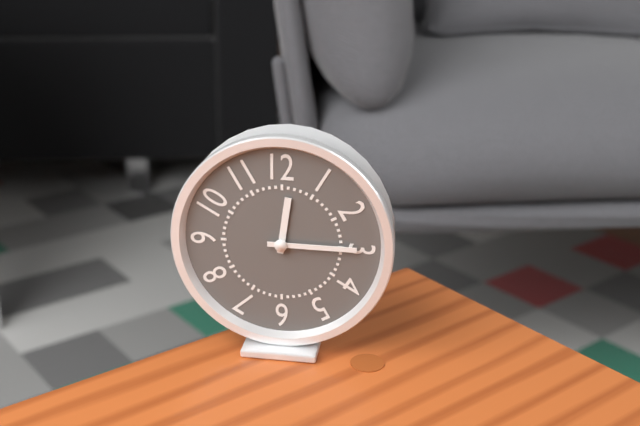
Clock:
{"hour": 12, "minute": 15}
